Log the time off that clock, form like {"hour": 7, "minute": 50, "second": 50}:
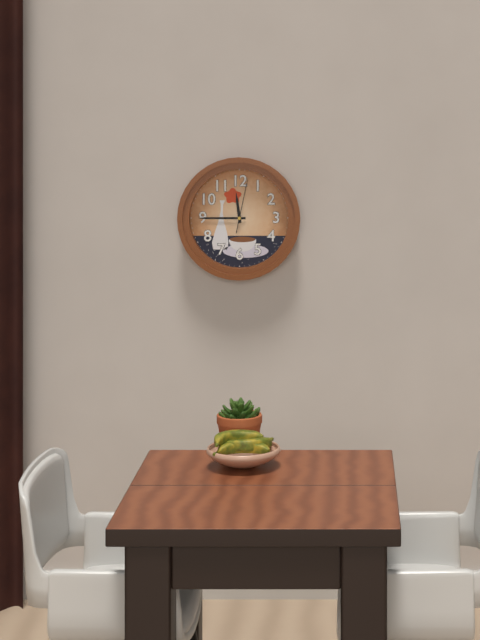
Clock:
{"hour": 11, "minute": 45, "second": 2}
